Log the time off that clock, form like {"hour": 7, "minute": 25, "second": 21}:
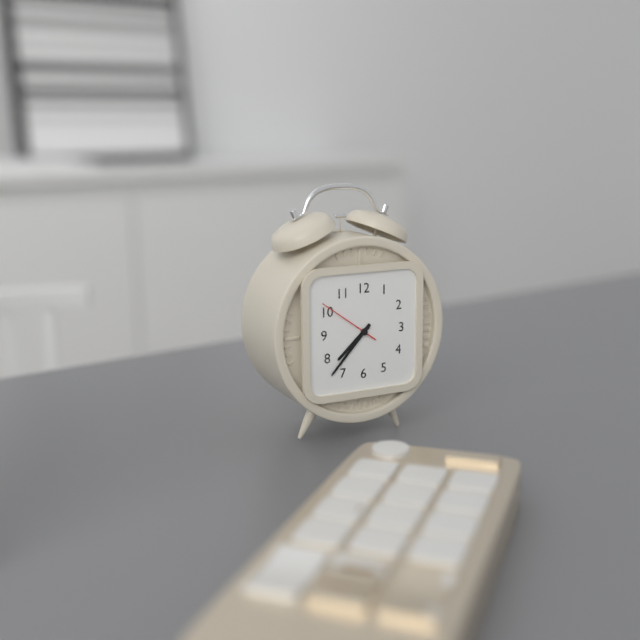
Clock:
{"hour": 7, "minute": 37, "second": 51}
